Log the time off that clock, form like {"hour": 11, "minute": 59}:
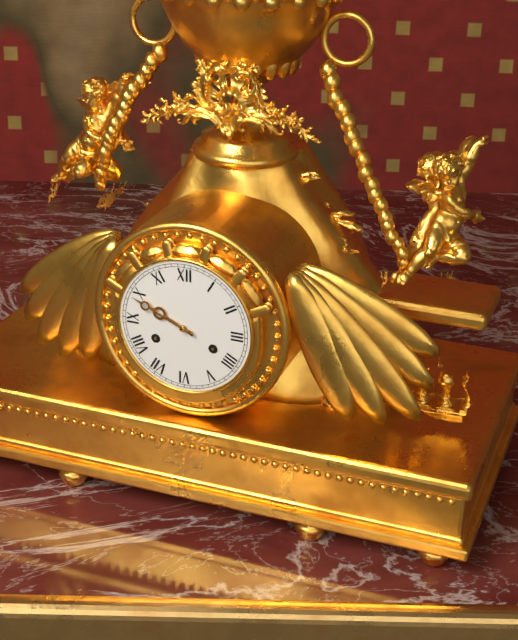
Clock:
{"hour": 9, "minute": 49}
